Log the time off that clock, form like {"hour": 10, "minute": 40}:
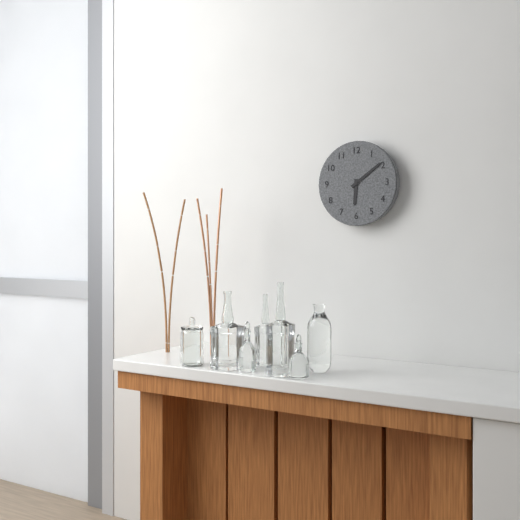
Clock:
{"hour": 6, "minute": 9}
